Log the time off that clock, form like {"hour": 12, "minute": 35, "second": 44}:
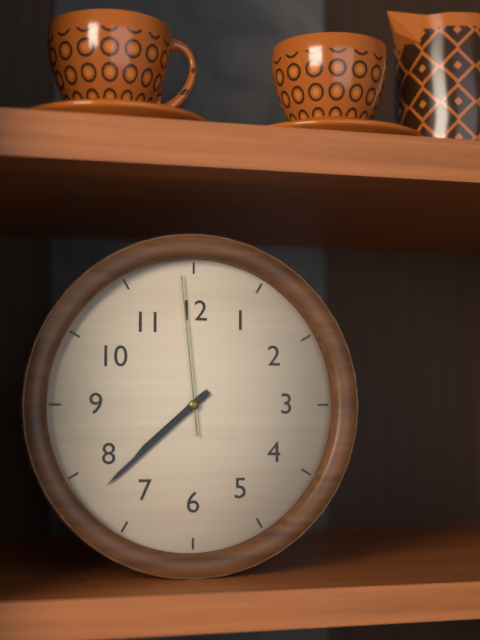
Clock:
{"hour": 7, "minute": 38, "second": 59}
